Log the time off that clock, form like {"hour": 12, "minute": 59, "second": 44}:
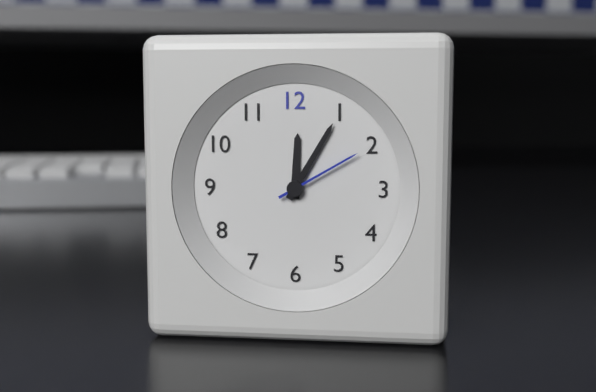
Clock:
{"hour": 12, "minute": 5, "second": 10}
